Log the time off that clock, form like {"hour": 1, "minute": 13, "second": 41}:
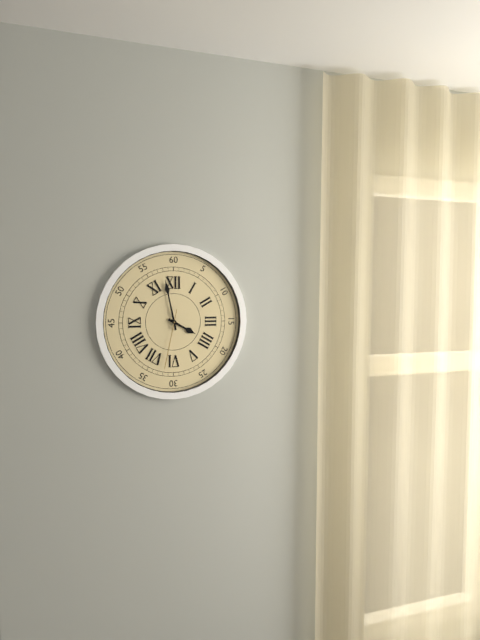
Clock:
{"hour": 3, "minute": 58, "second": 32}
